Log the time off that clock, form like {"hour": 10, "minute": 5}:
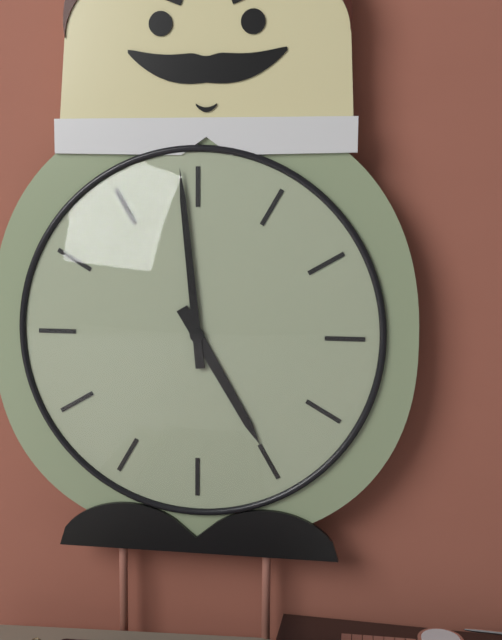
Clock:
{"hour": 4, "minute": 59}
